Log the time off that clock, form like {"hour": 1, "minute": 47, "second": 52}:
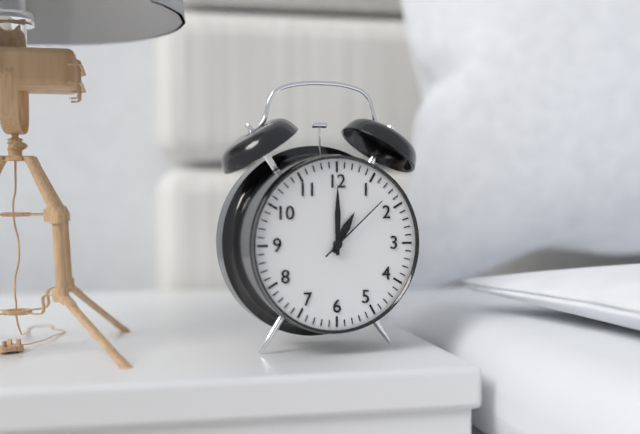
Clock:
{"hour": 1, "minute": 0, "second": 8}
